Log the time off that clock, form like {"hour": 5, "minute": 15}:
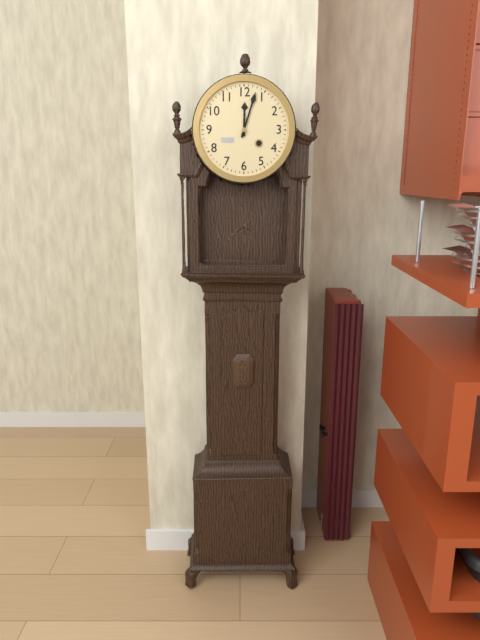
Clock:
{"hour": 12, "minute": 3}
